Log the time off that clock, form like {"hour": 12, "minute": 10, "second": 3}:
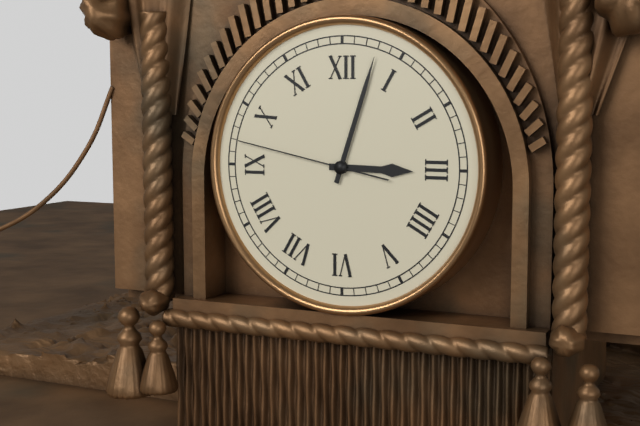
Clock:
{"hour": 3, "minute": 3, "second": 47}
